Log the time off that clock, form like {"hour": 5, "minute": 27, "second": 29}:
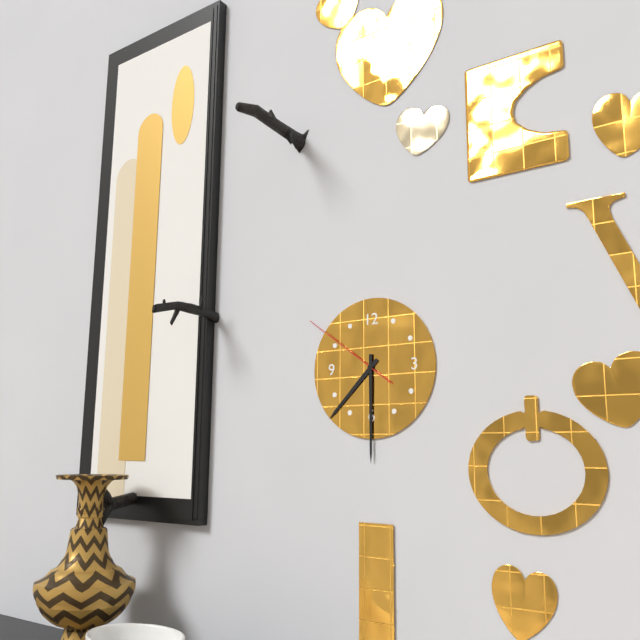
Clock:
{"hour": 7, "minute": 30, "second": 51}
